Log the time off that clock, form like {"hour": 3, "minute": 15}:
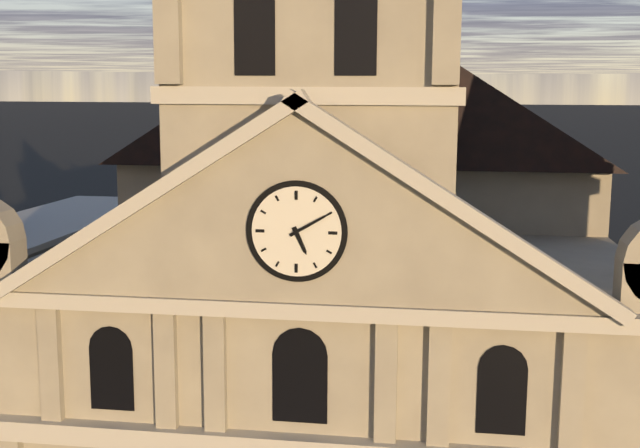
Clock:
{"hour": 5, "minute": 10}
